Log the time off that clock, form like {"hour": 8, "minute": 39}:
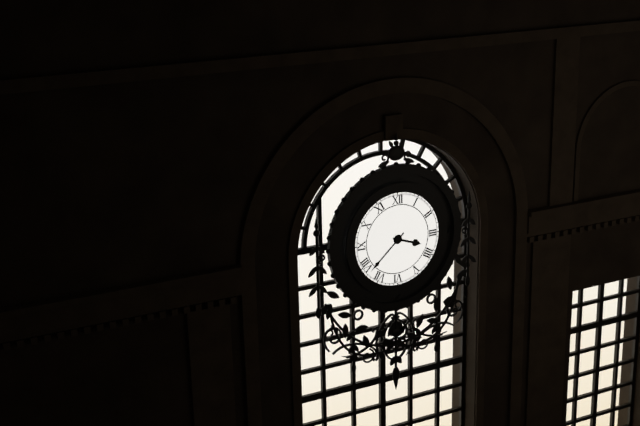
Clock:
{"hour": 3, "minute": 38}
